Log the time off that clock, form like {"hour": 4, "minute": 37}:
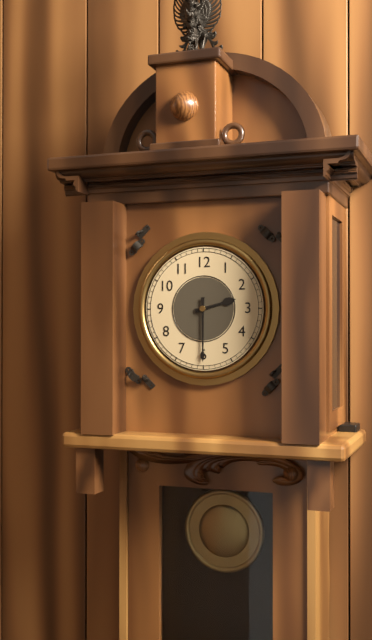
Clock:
{"hour": 2, "minute": 30}
